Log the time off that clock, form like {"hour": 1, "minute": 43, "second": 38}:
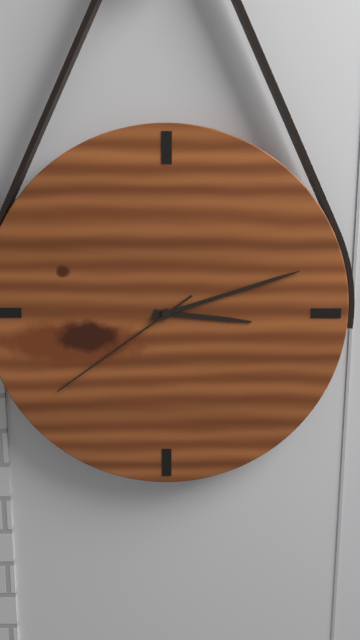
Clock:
{"hour": 3, "minute": 12, "second": 39}
